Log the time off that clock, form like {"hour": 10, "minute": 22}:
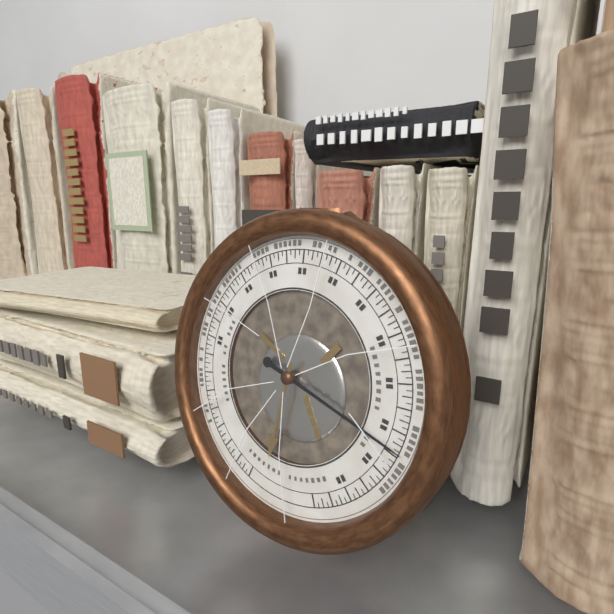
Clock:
{"hour": 6, "minute": 18}
